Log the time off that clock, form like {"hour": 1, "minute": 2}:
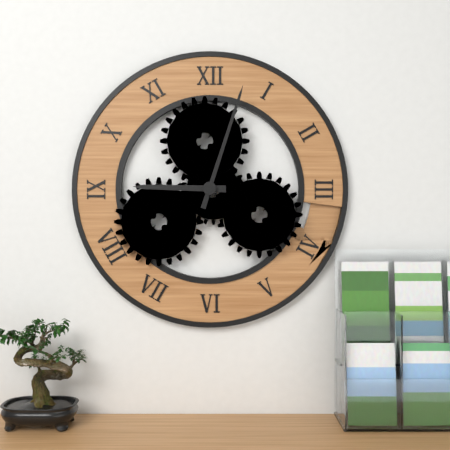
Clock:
{"hour": 9, "minute": 3}
